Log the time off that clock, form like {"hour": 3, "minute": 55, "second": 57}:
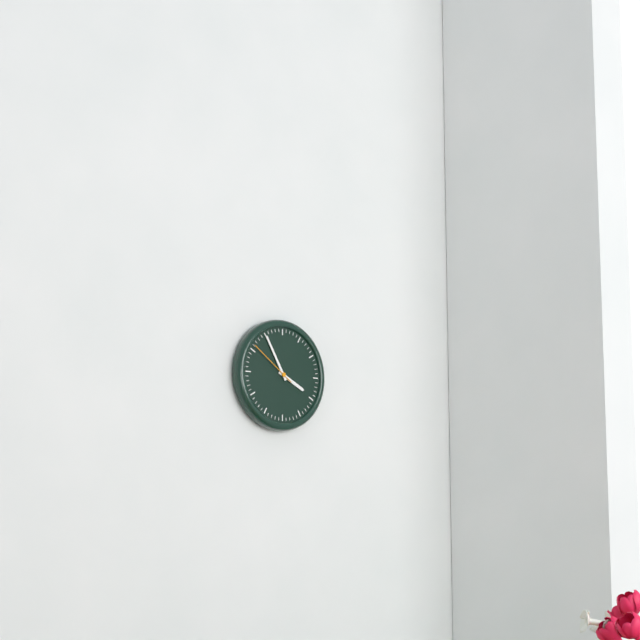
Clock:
{"hour": 3, "minute": 55, "second": 51}
